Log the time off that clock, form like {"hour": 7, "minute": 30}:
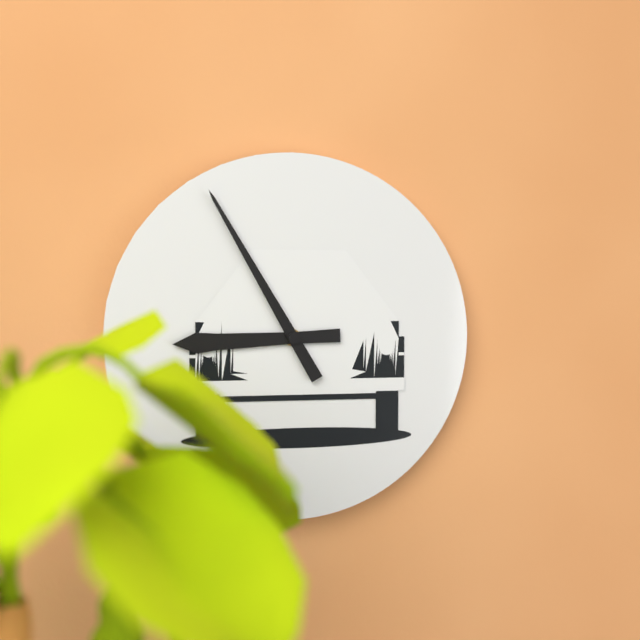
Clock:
{"hour": 8, "minute": 55}
